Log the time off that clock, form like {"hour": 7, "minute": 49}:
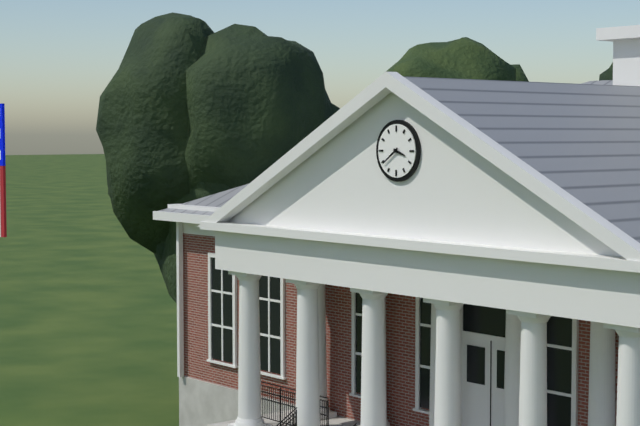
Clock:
{"hour": 3, "minute": 39}
